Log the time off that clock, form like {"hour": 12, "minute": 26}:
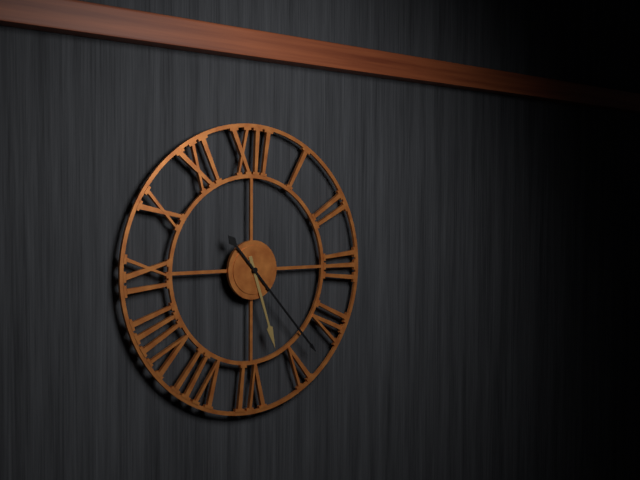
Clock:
{"hour": 5, "minute": 23}
